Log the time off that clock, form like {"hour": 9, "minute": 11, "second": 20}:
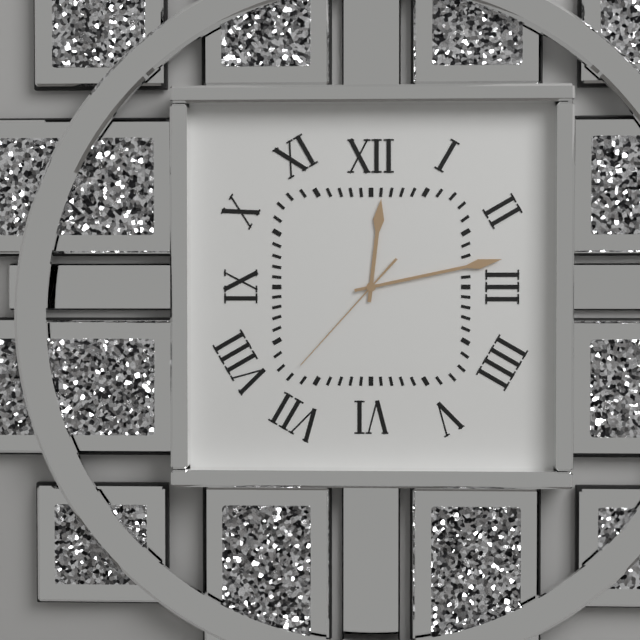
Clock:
{"hour": 12, "minute": 13, "second": 37}
